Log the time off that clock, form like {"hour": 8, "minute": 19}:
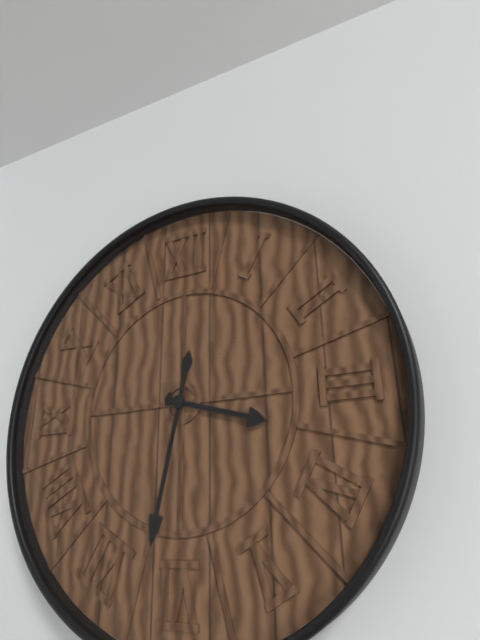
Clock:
{"hour": 3, "minute": 32}
